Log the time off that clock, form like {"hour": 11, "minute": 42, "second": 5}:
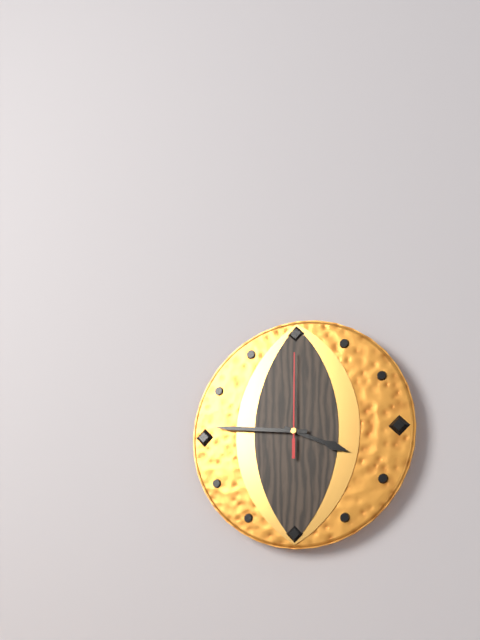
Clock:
{"hour": 3, "minute": 46, "second": 0}
